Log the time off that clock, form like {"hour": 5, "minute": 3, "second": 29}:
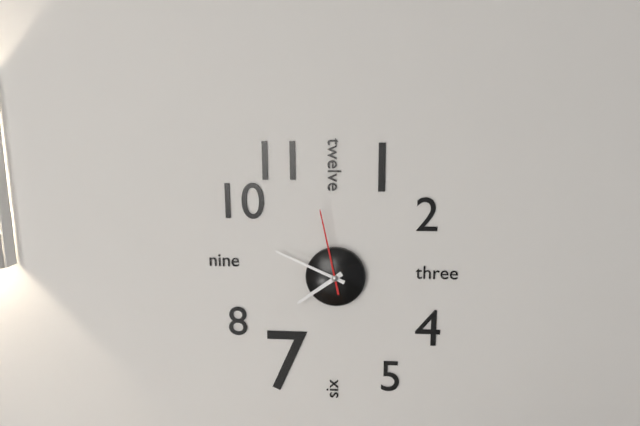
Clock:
{"hour": 7, "minute": 49, "second": 58}
